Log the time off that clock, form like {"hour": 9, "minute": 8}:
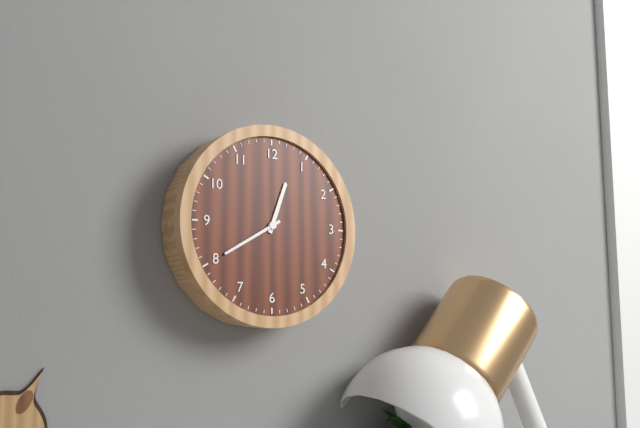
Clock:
{"hour": 12, "minute": 40}
